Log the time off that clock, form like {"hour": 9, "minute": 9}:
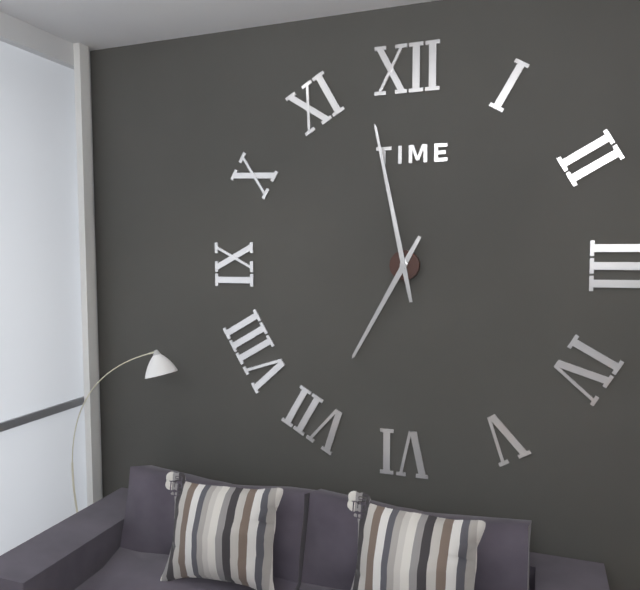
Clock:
{"hour": 6, "minute": 58}
